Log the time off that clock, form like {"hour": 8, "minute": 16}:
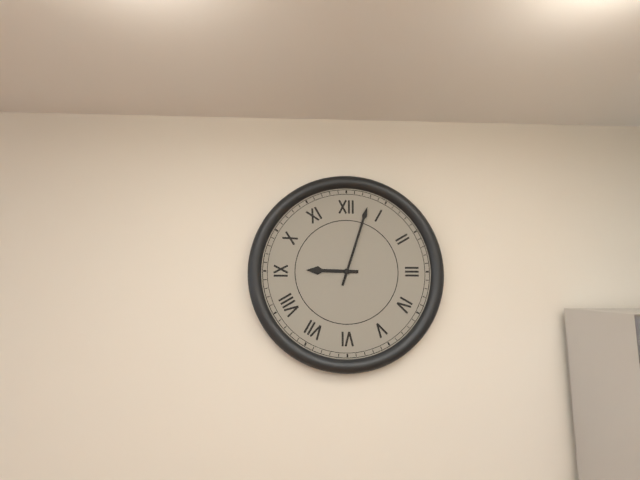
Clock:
{"hour": 9, "minute": 3}
